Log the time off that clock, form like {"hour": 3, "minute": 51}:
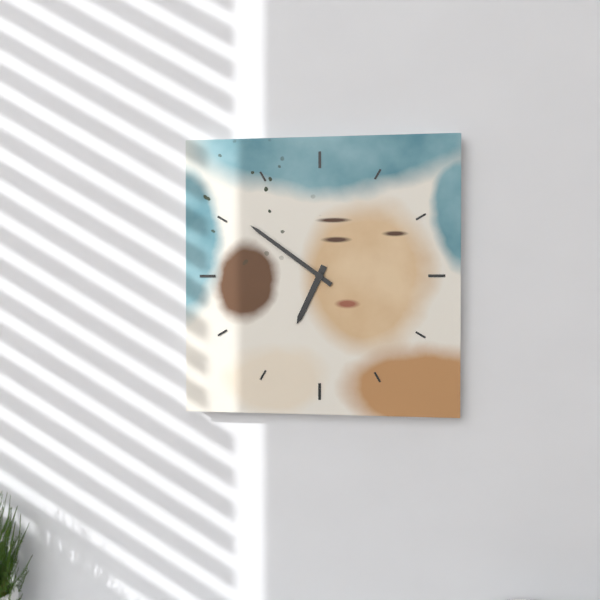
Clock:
{"hour": 6, "minute": 51}
